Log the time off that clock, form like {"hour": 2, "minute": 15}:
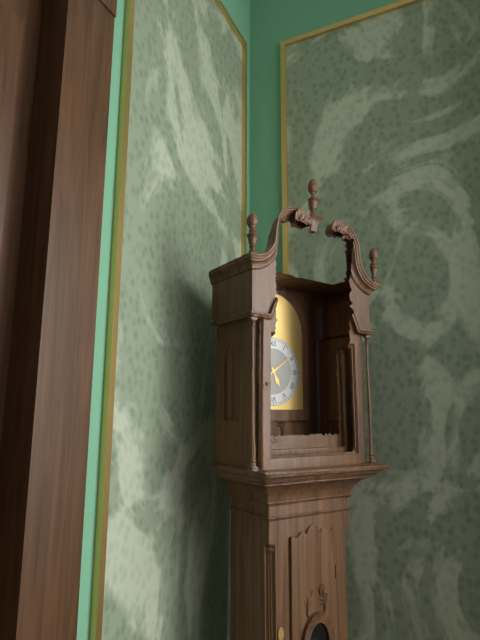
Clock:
{"hour": 5, "minute": 9}
